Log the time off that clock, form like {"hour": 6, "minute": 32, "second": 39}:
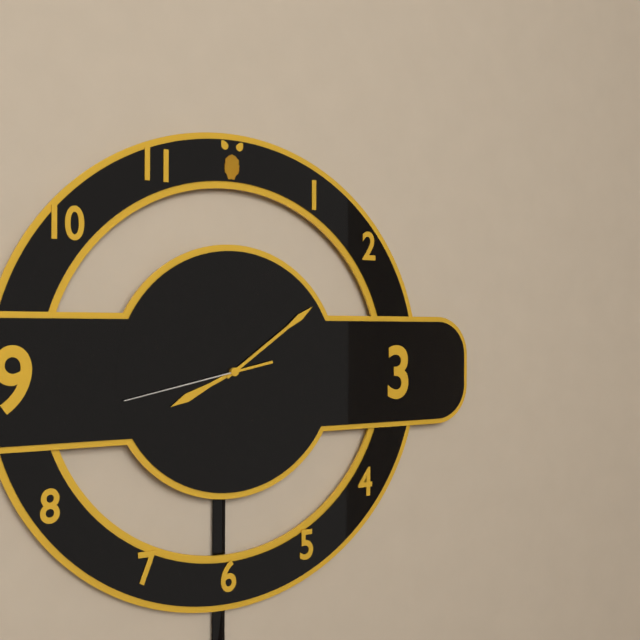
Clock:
{"hour": 8, "minute": 9, "second": 43}
